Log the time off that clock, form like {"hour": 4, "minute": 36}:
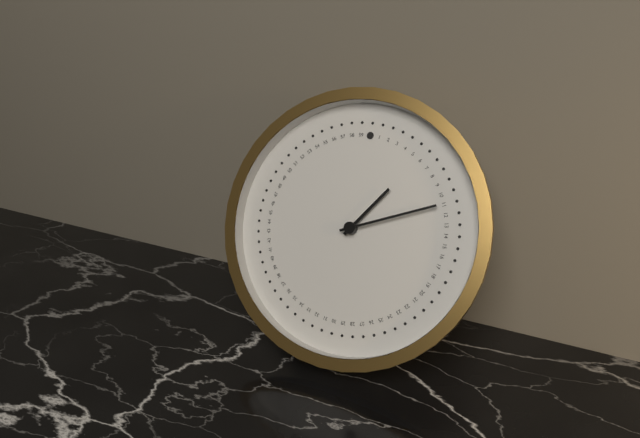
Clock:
{"hour": 1, "minute": 11}
